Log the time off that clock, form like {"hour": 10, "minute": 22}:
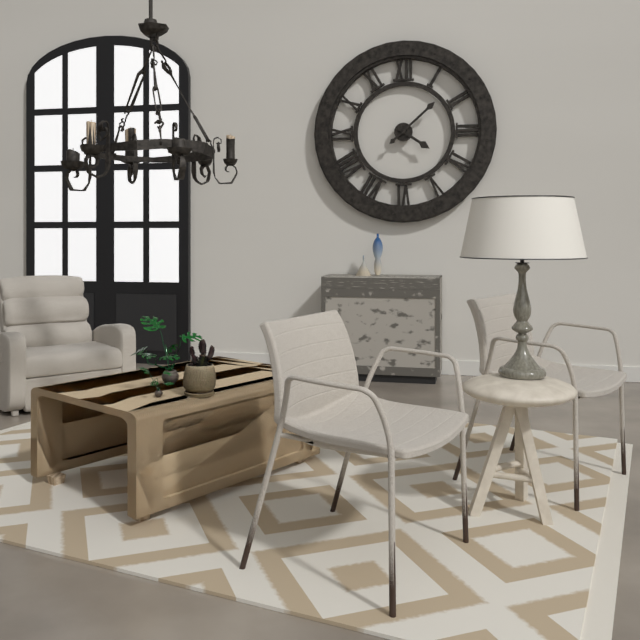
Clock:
{"hour": 4, "minute": 8}
